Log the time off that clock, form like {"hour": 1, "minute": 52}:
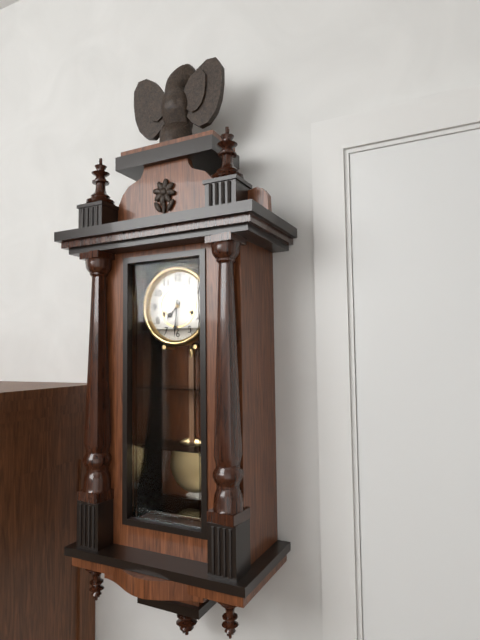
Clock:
{"hour": 7, "minute": 31}
